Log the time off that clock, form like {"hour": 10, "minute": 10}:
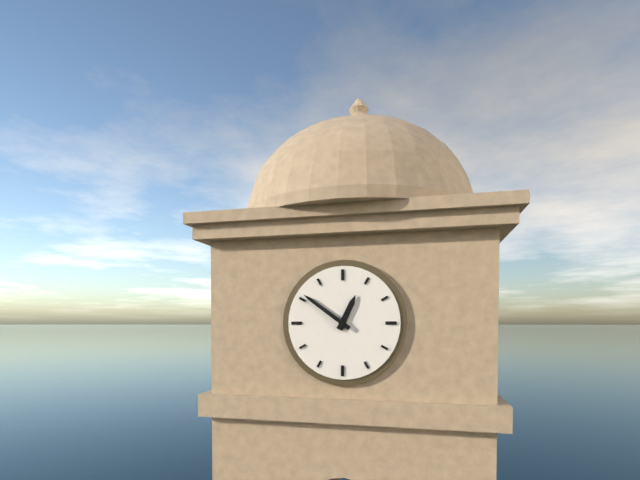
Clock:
{"hour": 12, "minute": 51}
